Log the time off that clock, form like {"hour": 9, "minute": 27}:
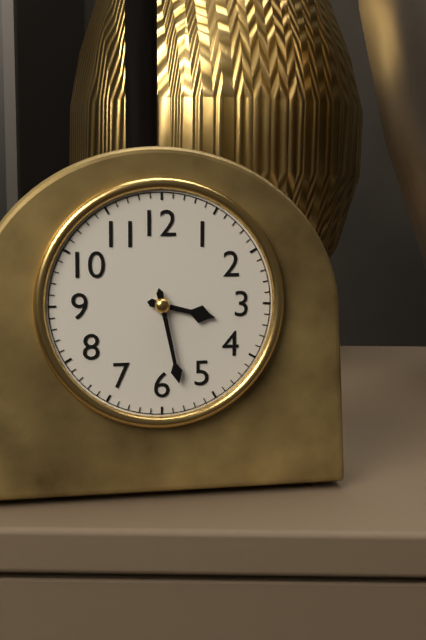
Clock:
{"hour": 3, "minute": 28}
